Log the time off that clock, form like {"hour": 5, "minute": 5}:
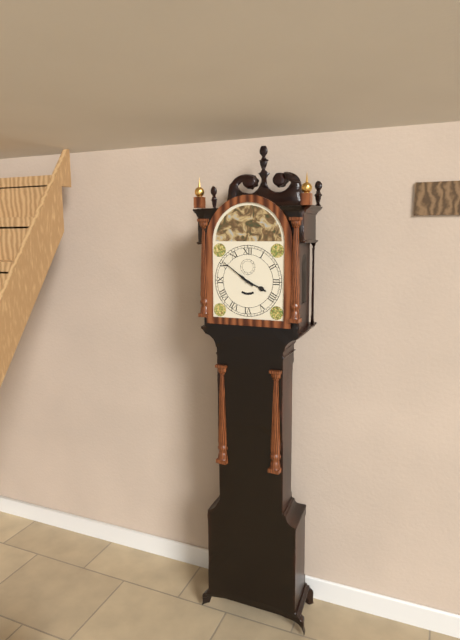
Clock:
{"hour": 3, "minute": 51}
